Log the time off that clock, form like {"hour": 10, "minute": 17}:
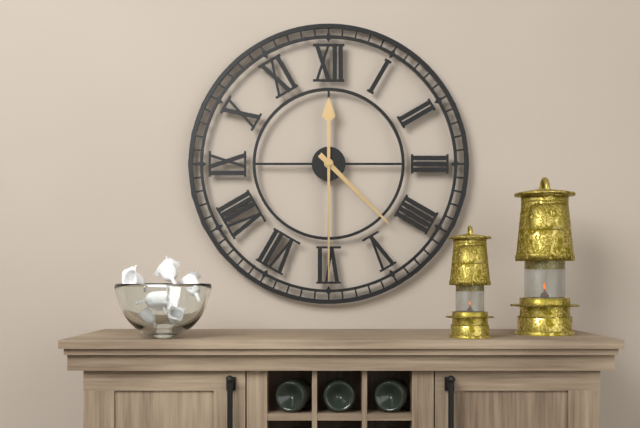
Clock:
{"hour": 4, "minute": 30}
